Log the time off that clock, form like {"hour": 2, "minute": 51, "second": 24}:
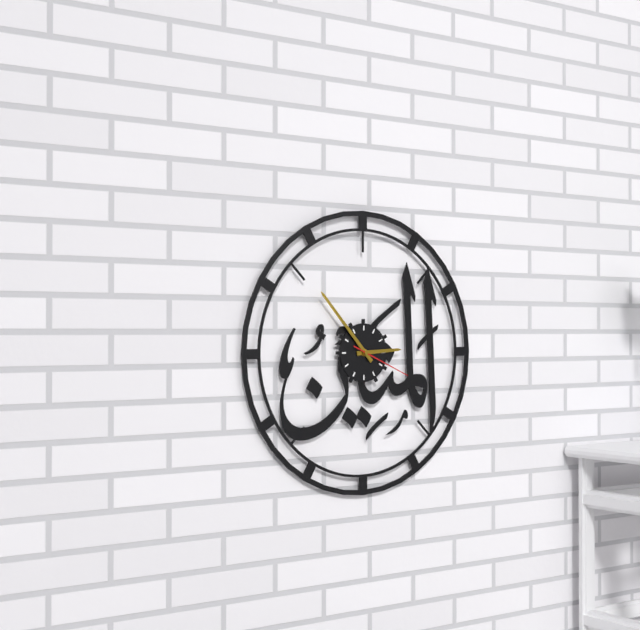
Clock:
{"hour": 2, "minute": 53, "second": 19}
